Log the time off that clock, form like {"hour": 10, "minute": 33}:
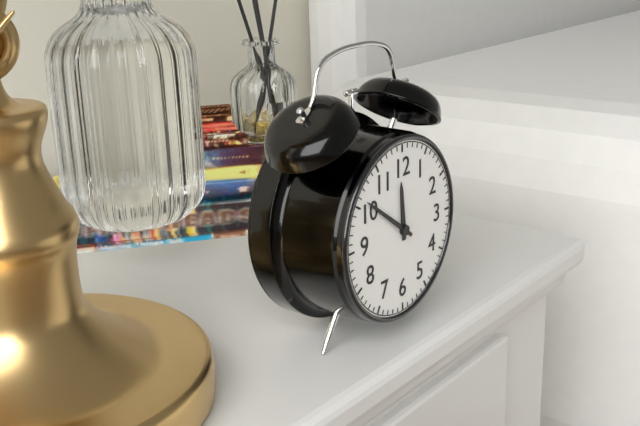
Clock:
{"hour": 11, "minute": 51}
